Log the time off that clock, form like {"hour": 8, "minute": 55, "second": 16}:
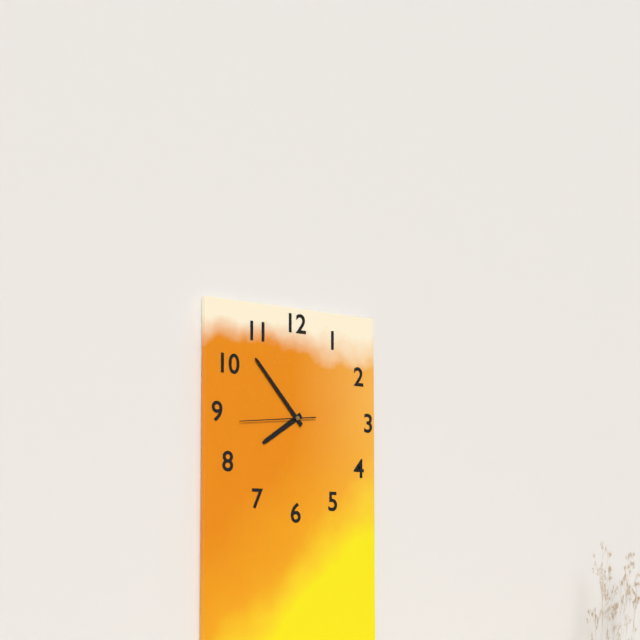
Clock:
{"hour": 7, "minute": 53, "second": 44}
